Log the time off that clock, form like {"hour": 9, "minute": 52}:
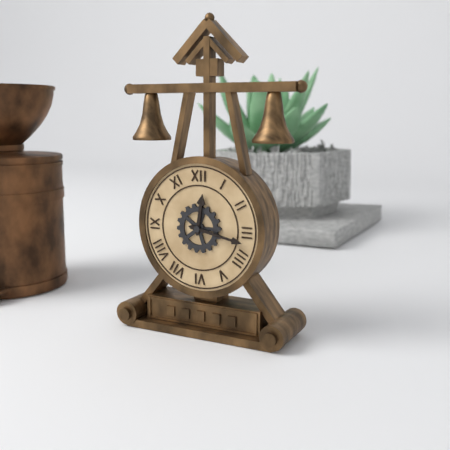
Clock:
{"hour": 12, "minute": 17}
